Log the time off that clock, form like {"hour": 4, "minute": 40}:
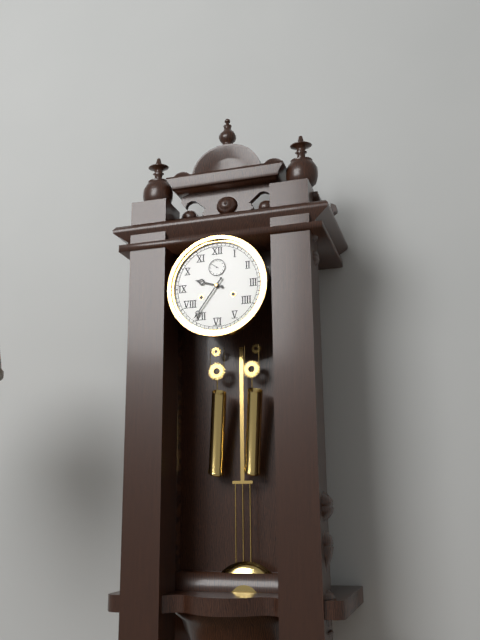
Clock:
{"hour": 9, "minute": 36}
